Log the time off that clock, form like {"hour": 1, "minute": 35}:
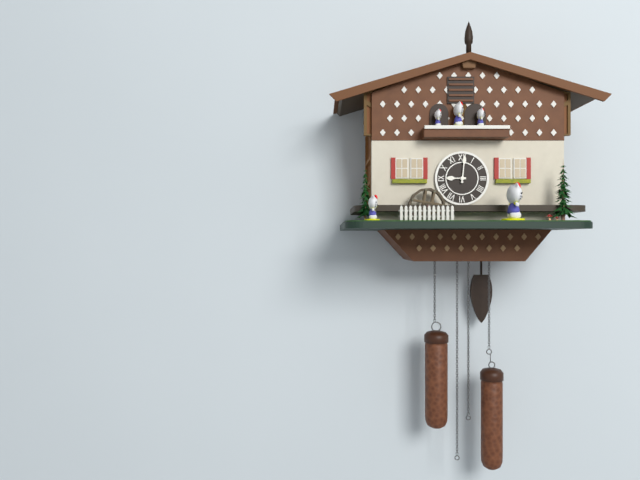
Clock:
{"hour": 9, "minute": 1}
